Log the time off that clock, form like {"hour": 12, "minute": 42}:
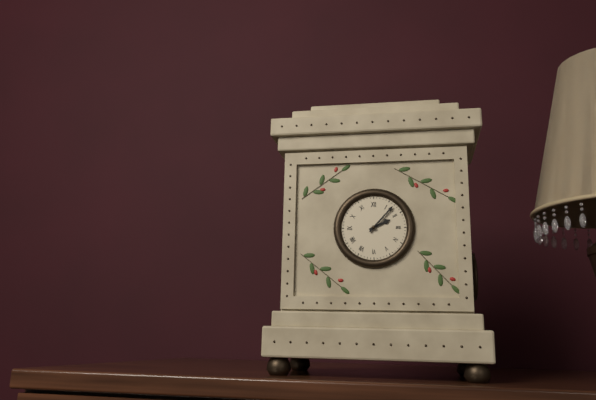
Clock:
{"hour": 2, "minute": 7}
